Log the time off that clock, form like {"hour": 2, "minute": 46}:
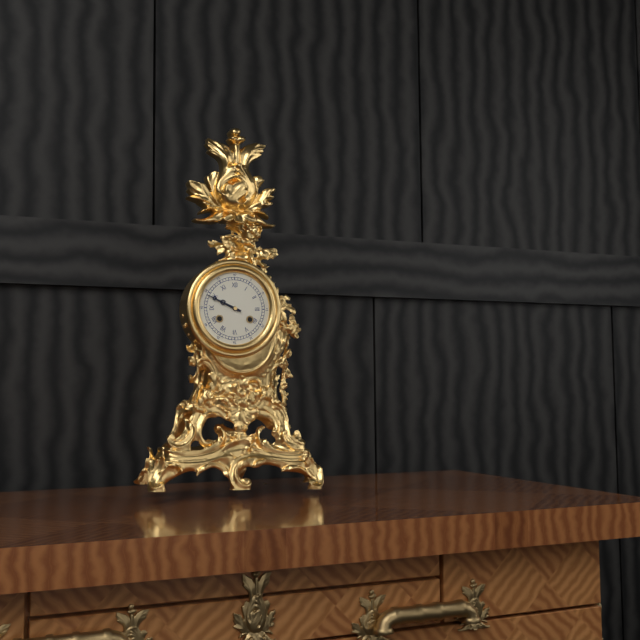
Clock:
{"hour": 9, "minute": 49}
